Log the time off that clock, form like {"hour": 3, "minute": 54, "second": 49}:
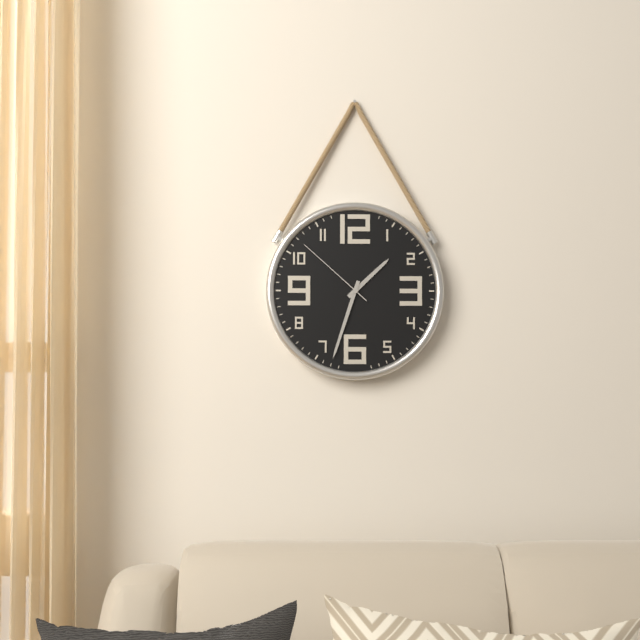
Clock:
{"hour": 1, "minute": 33, "second": 52}
